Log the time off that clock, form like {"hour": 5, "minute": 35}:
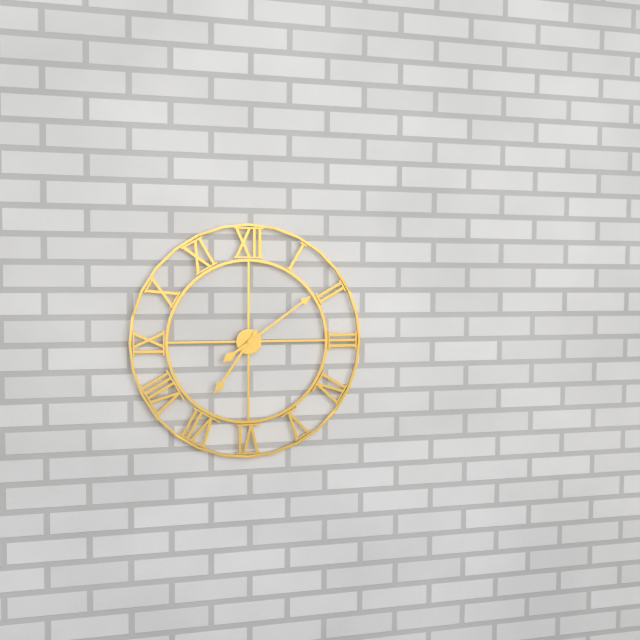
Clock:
{"hour": 7, "minute": 9}
